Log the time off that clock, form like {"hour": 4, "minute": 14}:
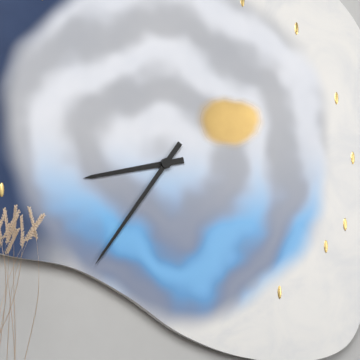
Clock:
{"hour": 8, "minute": 36}
